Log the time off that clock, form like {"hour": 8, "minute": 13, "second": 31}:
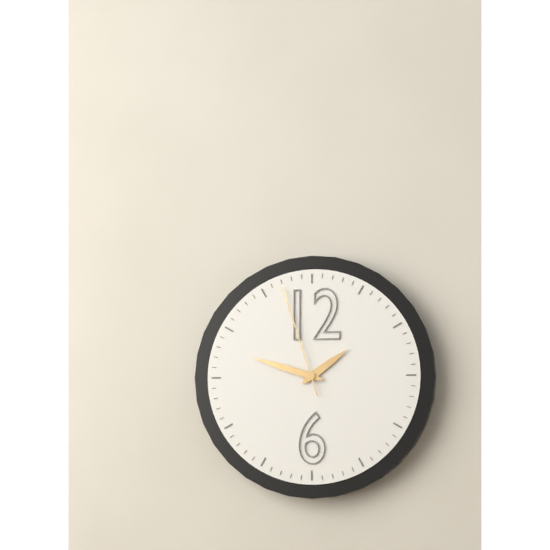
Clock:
{"hour": 1, "minute": 48, "second": 57}
